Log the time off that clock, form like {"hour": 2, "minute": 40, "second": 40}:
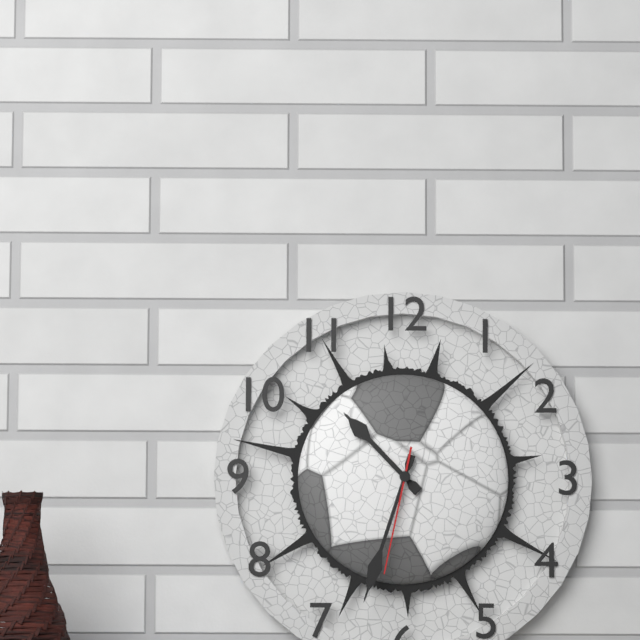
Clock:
{"hour": 10, "minute": 33, "second": 32}
